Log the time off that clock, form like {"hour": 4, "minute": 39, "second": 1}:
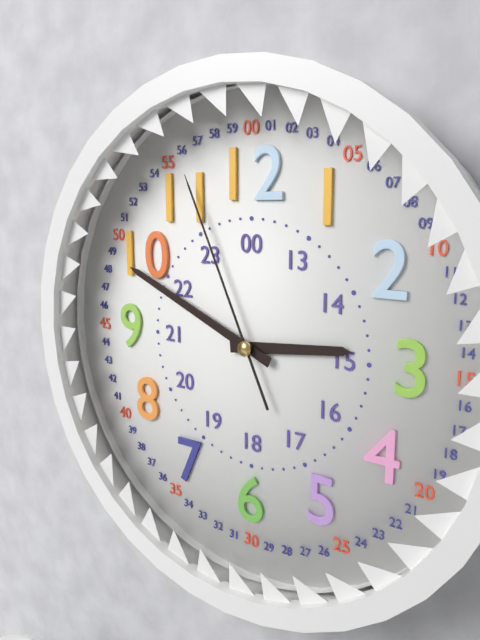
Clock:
{"hour": 2, "minute": 49, "second": 56}
